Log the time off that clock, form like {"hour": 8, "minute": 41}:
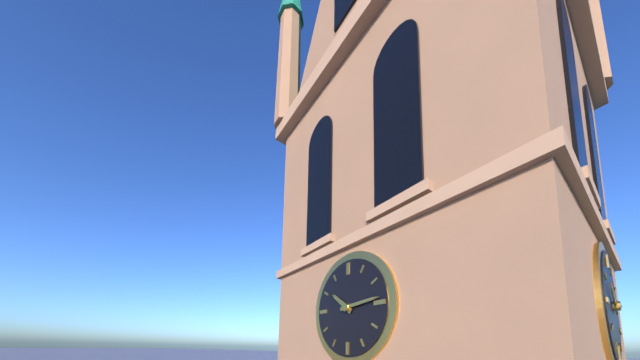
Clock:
{"hour": 10, "minute": 14}
